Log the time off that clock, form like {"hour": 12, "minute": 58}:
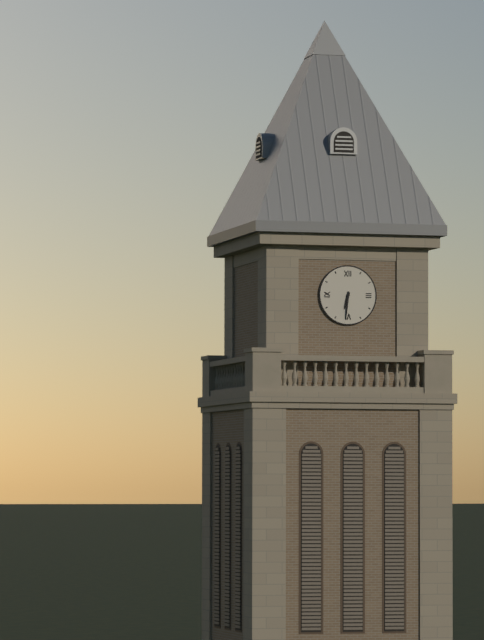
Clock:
{"hour": 6, "minute": 31}
